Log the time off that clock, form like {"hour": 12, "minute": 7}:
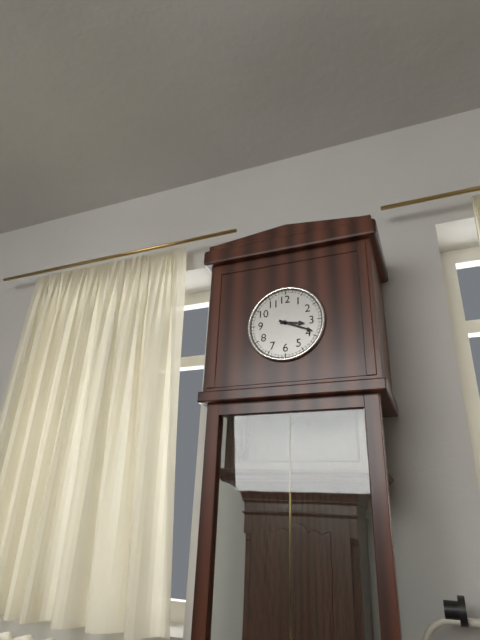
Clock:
{"hour": 3, "minute": 19}
